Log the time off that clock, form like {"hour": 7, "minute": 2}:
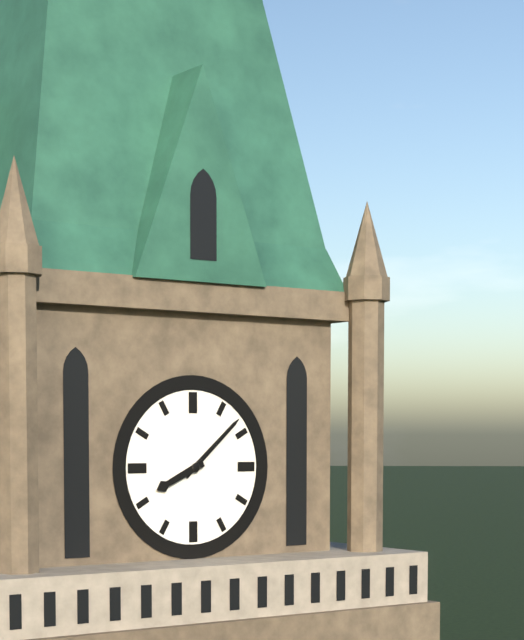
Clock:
{"hour": 8, "minute": 8}
